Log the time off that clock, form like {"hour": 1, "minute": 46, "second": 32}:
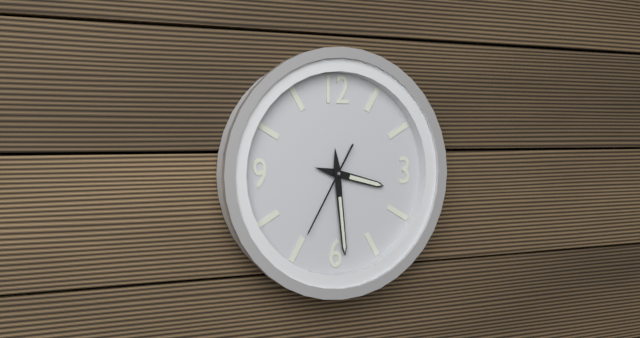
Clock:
{"hour": 3, "minute": 29, "second": 35}
